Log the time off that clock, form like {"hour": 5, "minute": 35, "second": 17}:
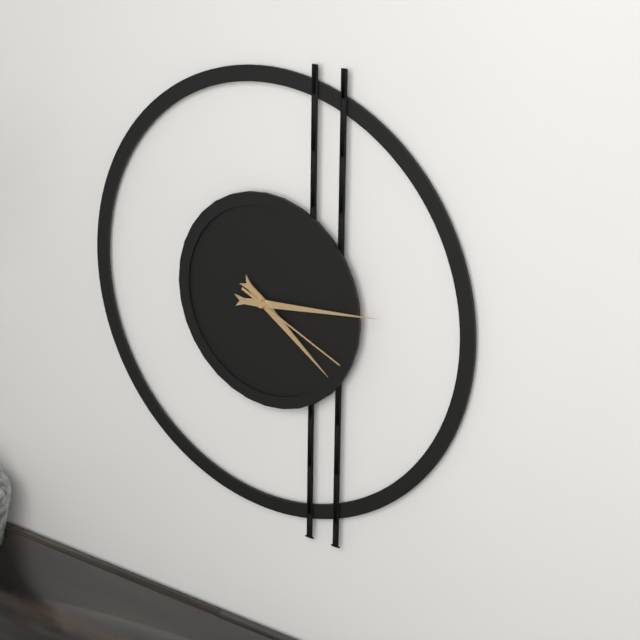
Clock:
{"hour": 4, "minute": 14, "second": 19}
